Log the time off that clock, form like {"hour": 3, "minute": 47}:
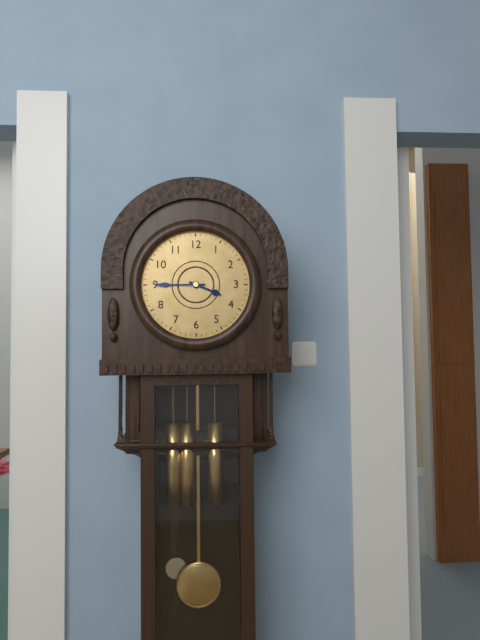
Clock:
{"hour": 3, "minute": 45}
